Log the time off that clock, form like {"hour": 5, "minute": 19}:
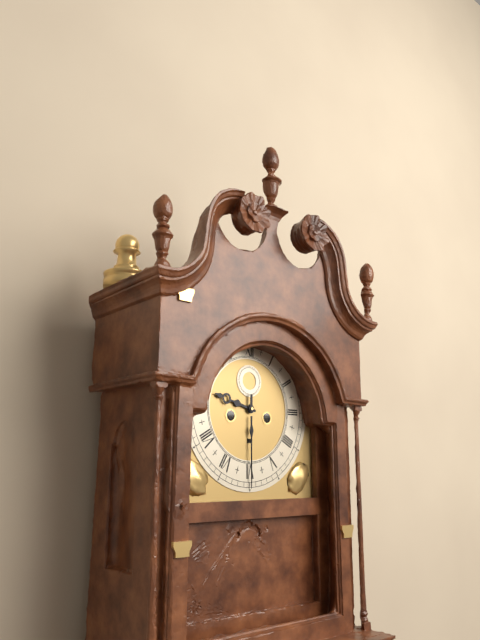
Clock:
{"hour": 9, "minute": 30}
